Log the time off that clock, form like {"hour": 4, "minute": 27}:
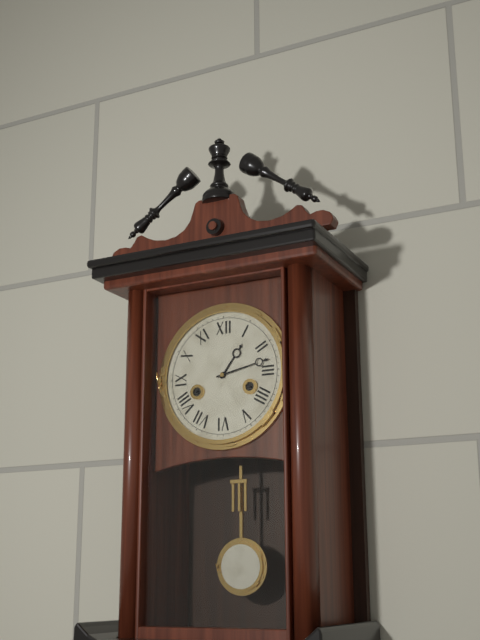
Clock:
{"hour": 1, "minute": 13}
